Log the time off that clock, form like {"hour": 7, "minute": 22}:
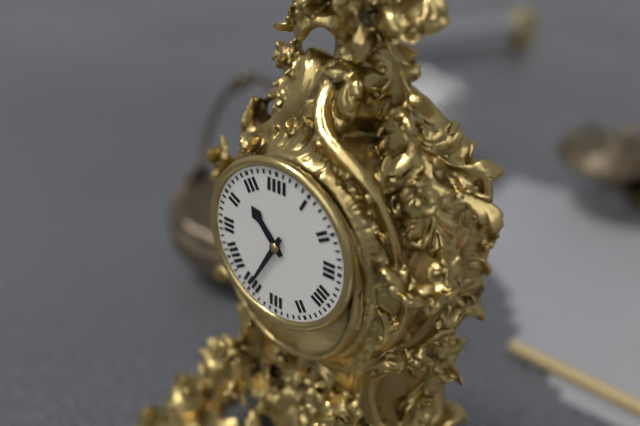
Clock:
{"hour": 10, "minute": 35}
